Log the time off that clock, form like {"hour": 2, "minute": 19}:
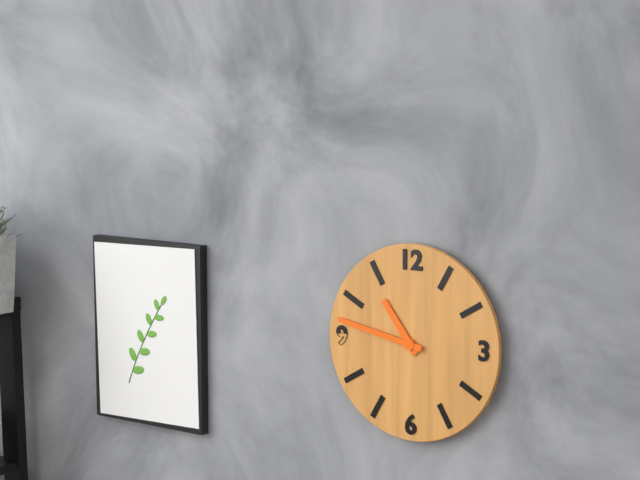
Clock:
{"hour": 10, "minute": 47}
